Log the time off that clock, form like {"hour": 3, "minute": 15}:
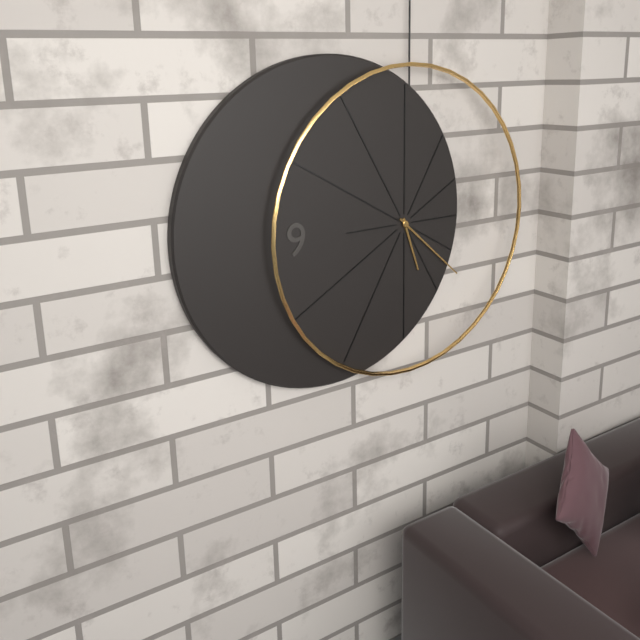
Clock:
{"hour": 5, "minute": 22}
